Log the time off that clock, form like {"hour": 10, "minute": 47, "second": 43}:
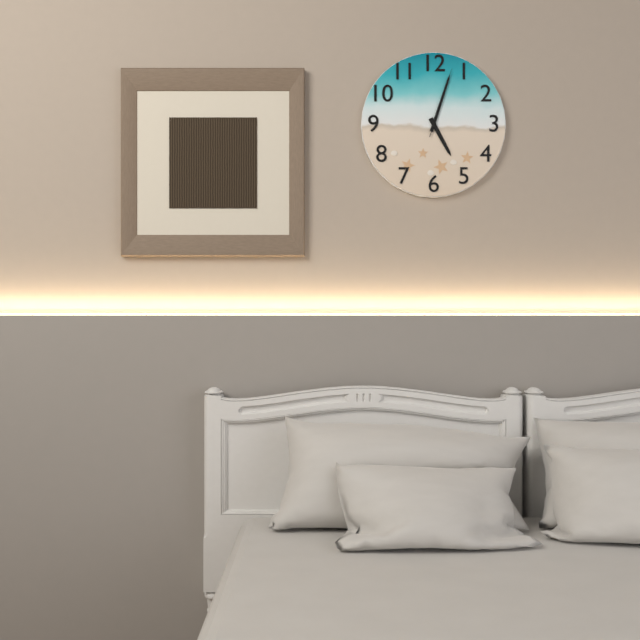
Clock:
{"hour": 5, "minute": 3, "second": 3}
